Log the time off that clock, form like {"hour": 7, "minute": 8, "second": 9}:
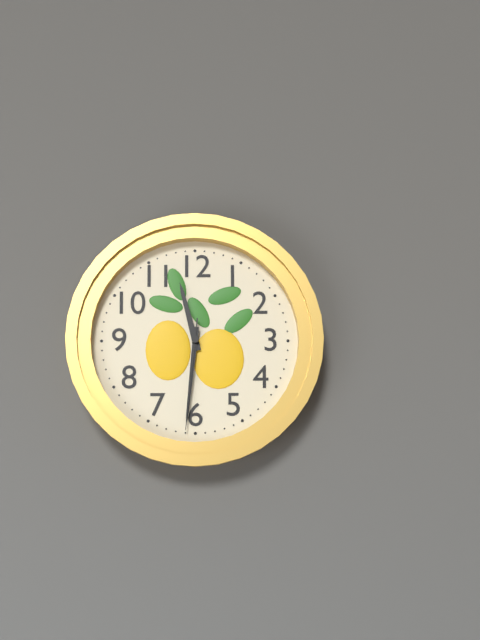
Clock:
{"hour": 11, "minute": 31, "second": 31}
